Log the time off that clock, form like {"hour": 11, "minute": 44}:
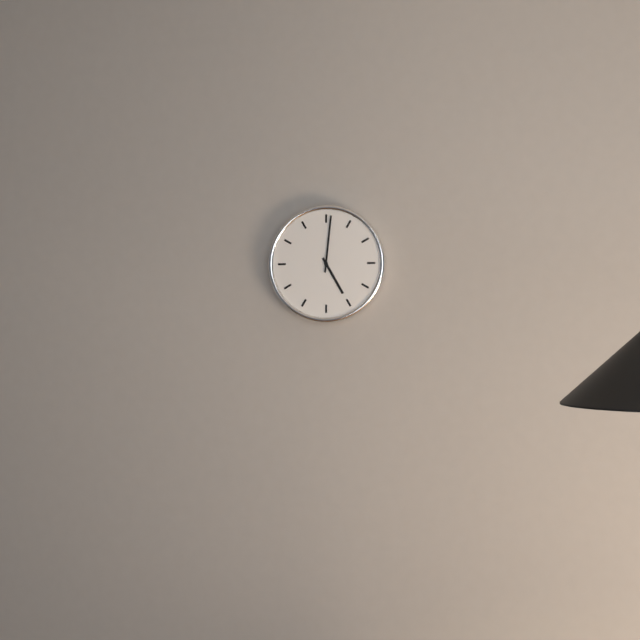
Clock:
{"hour": 5, "minute": 1}
